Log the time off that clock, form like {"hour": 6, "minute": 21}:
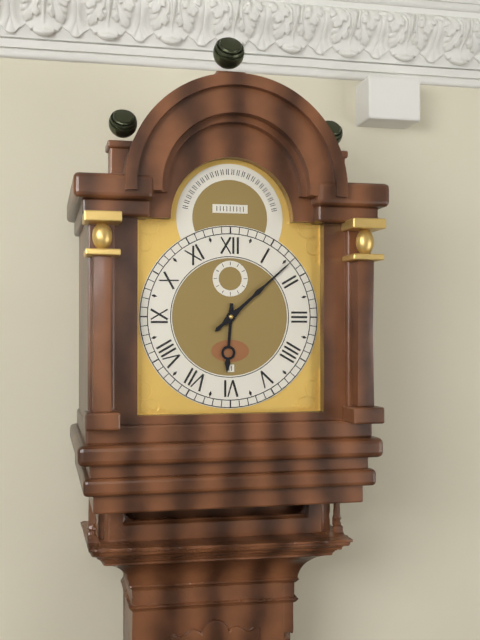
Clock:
{"hour": 6, "minute": 8}
